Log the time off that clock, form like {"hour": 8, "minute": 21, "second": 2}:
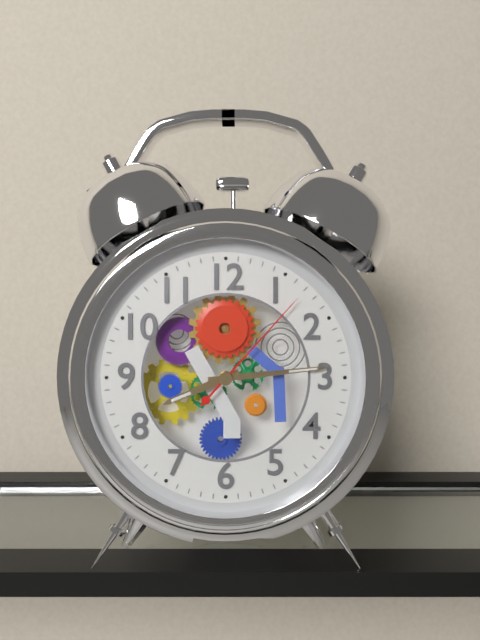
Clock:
{"hour": 8, "minute": 14, "second": 7}
